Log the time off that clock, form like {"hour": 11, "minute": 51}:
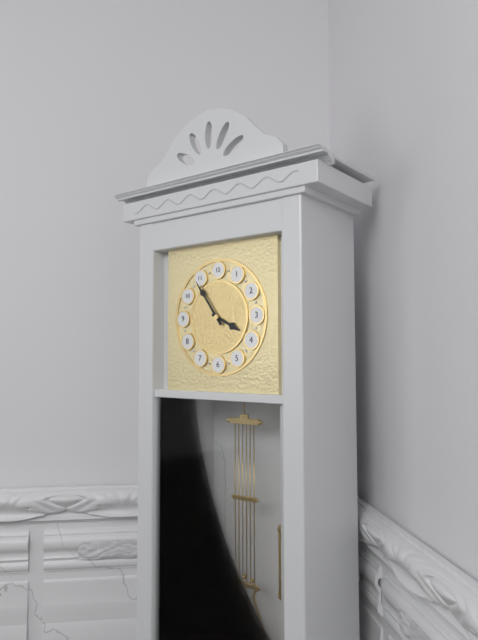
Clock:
{"hour": 3, "minute": 54}
